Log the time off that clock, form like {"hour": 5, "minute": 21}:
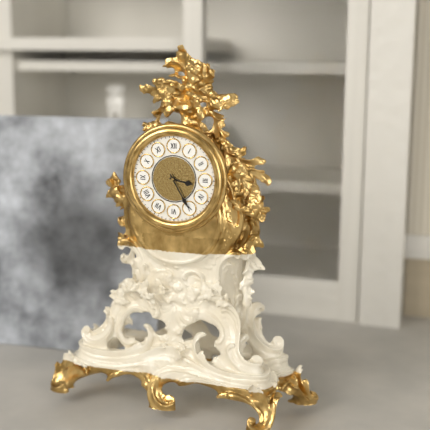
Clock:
{"hour": 3, "minute": 25}
